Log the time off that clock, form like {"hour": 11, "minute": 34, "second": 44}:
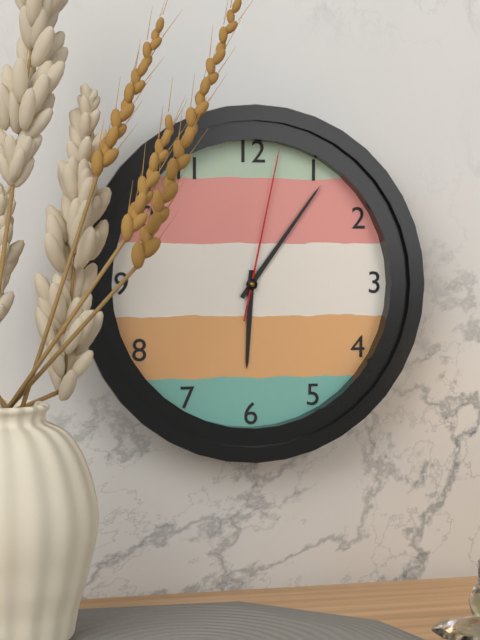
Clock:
{"hour": 6, "minute": 6, "second": 2}
